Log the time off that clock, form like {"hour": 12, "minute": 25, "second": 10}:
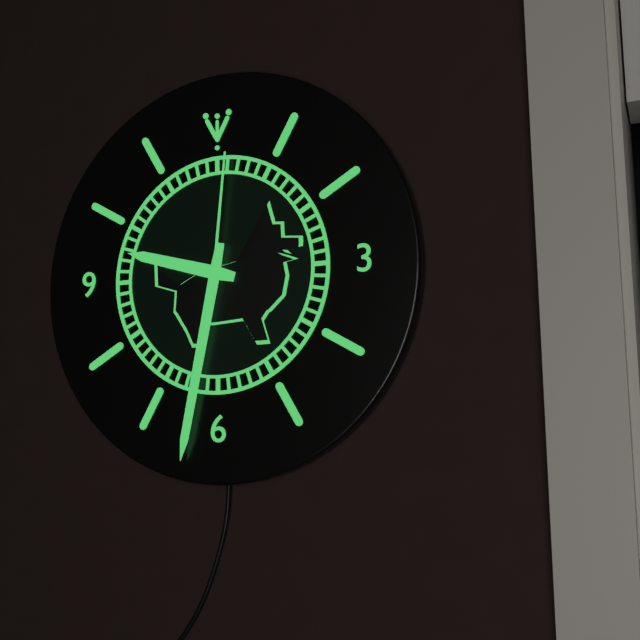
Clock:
{"hour": 9, "minute": 32, "second": 1}
